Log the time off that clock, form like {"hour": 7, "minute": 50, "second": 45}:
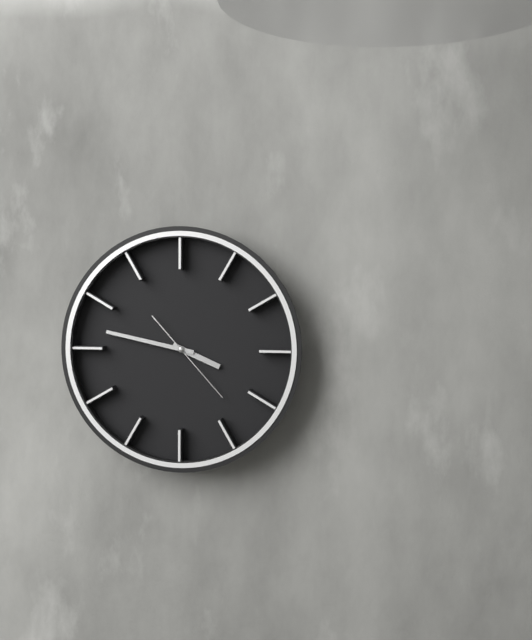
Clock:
{"hour": 3, "minute": 47, "second": 23}
